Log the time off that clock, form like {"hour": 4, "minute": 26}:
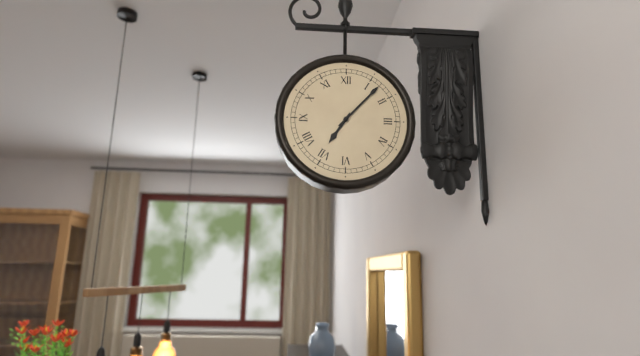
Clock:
{"hour": 7, "minute": 7}
